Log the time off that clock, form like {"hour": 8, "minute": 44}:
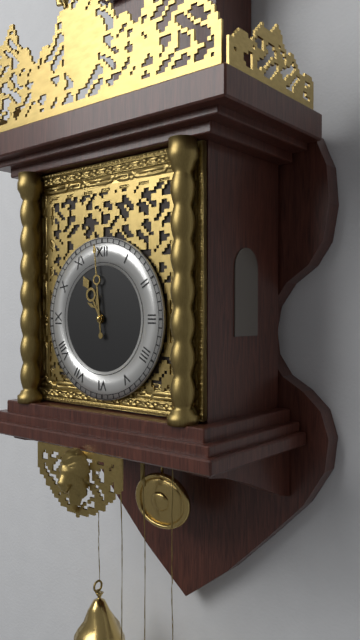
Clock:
{"hour": 10, "minute": 59}
